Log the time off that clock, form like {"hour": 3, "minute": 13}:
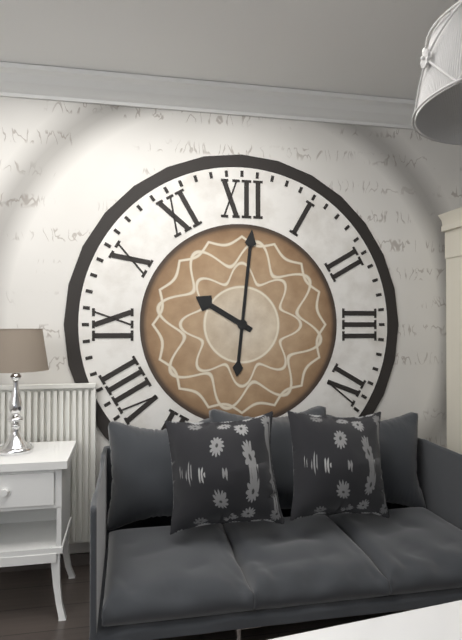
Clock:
{"hour": 10, "minute": 1}
